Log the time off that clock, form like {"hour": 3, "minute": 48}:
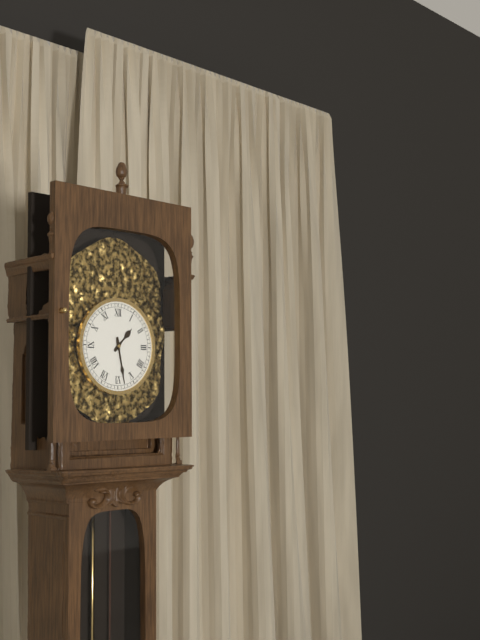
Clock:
{"hour": 1, "minute": 28}
